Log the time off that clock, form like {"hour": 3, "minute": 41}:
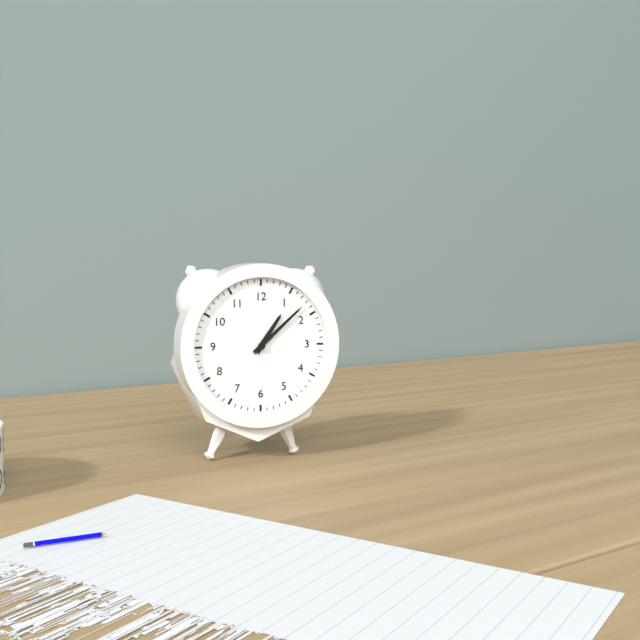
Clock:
{"hour": 1, "minute": 8}
